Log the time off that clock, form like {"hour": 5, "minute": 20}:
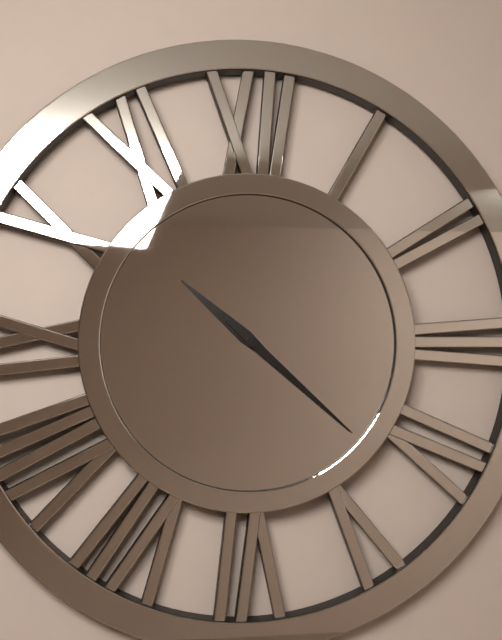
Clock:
{"hour": 10, "minute": 22}
